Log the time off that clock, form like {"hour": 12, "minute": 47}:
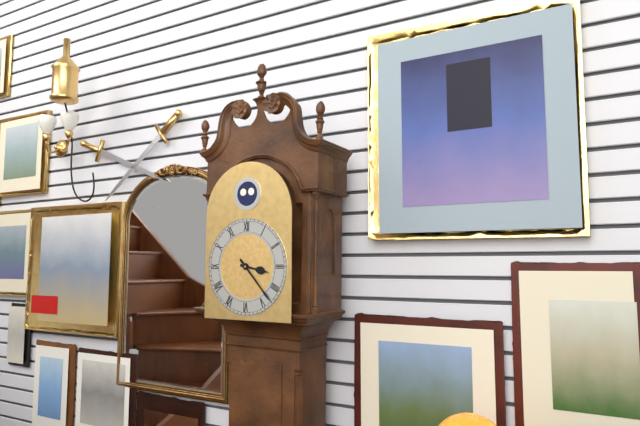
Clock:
{"hour": 3, "minute": 23}
